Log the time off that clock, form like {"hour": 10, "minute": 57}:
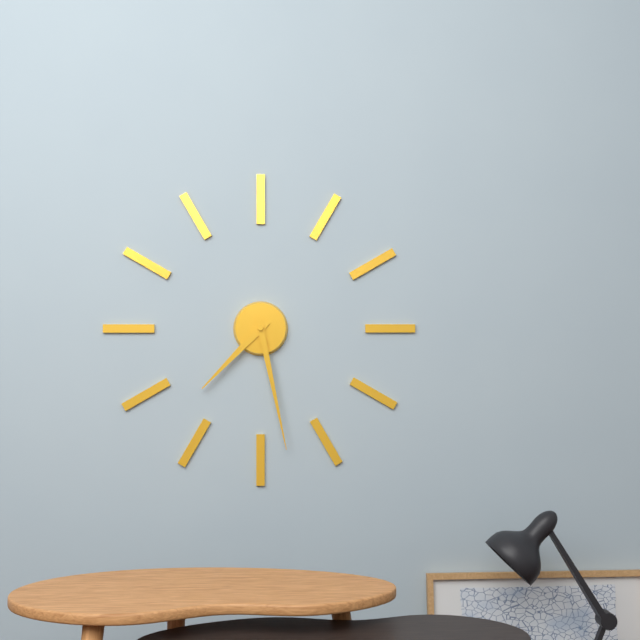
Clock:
{"hour": 7, "minute": 28}
